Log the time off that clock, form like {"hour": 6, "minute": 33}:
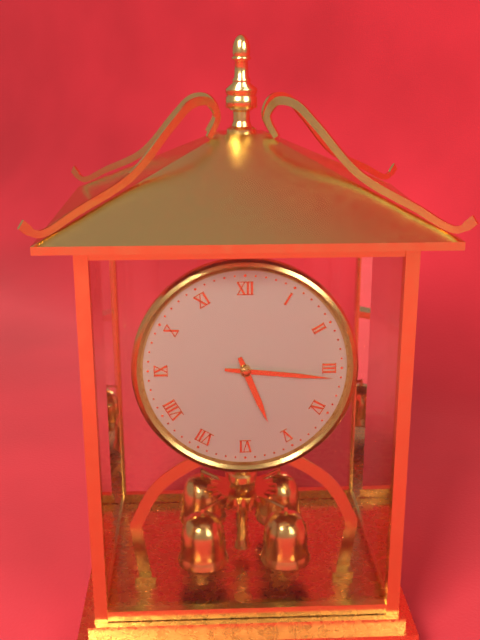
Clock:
{"hour": 5, "minute": 16}
